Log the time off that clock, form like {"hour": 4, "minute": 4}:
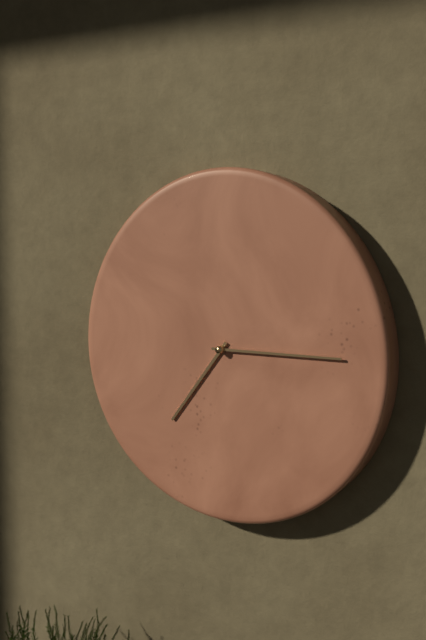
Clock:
{"hour": 7, "minute": 15}
